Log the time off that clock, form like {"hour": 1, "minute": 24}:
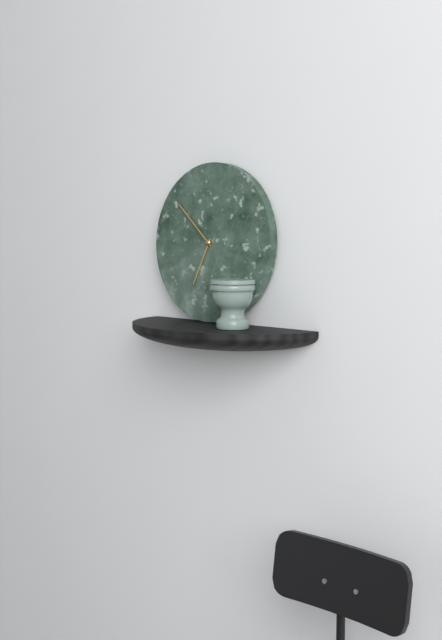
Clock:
{"hour": 6, "minute": 52}
